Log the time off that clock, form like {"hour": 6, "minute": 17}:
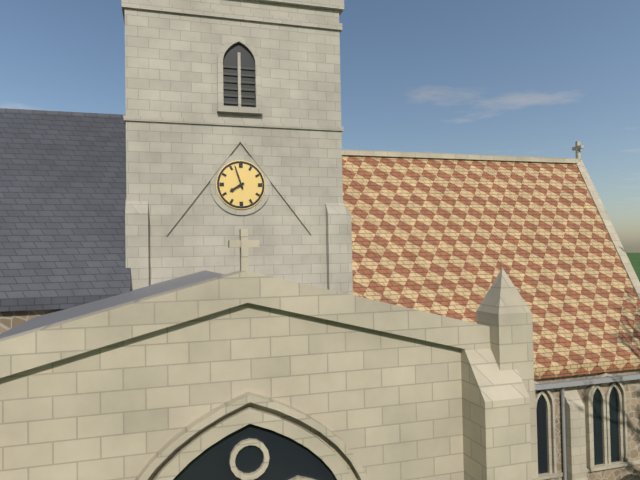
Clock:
{"hour": 7, "minute": 57}
